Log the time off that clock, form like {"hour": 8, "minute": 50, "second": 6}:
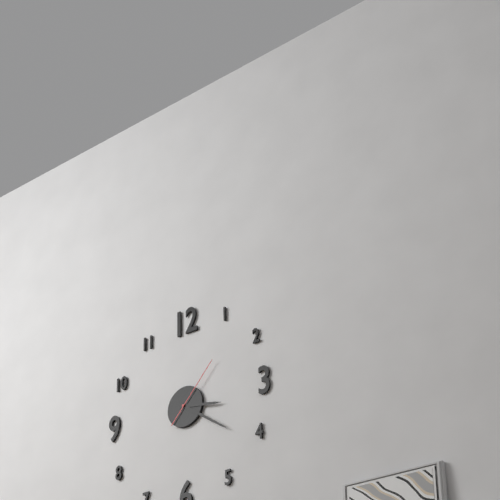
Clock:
{"hour": 3, "minute": 21, "second": 7}
